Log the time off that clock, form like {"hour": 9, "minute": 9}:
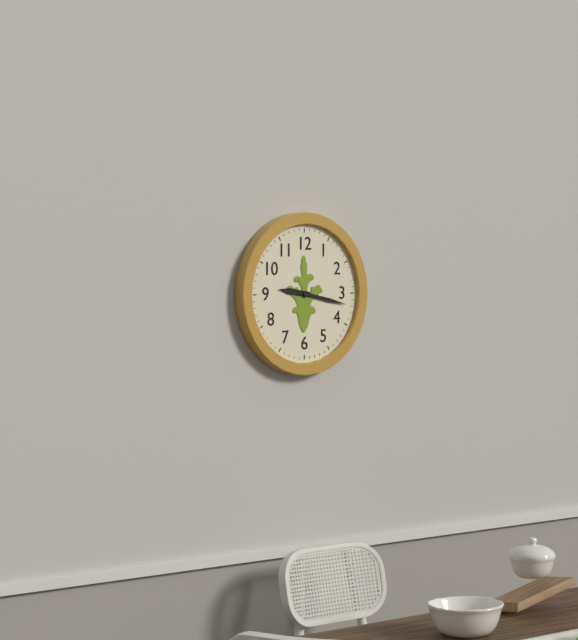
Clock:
{"hour": 9, "minute": 17}
